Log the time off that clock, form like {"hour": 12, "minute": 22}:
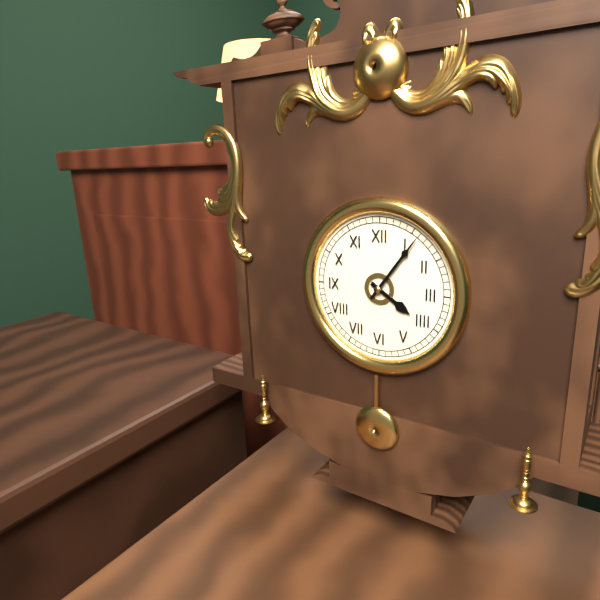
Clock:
{"hour": 4, "minute": 6}
